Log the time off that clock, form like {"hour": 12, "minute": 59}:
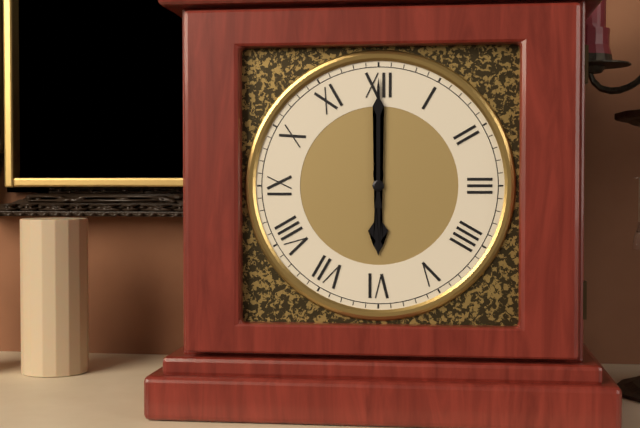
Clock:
{"hour": 6, "minute": 0}
